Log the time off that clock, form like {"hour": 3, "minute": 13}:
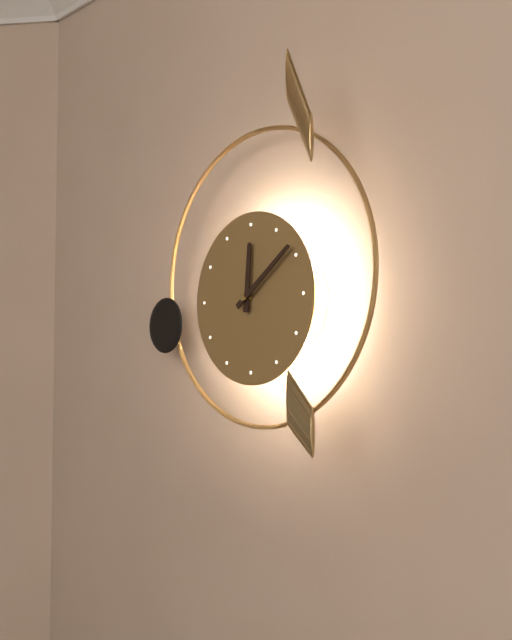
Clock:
{"hour": 12, "minute": 9}
